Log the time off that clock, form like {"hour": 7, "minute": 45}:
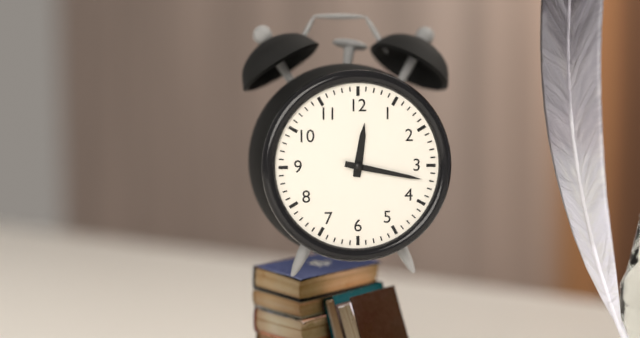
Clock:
{"hour": 12, "minute": 17}
